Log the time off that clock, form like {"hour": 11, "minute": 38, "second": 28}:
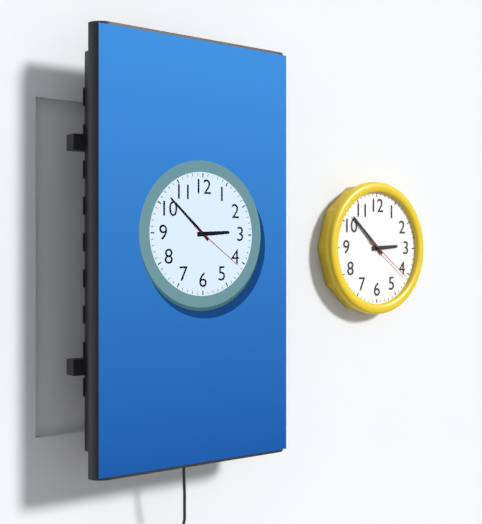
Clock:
{"hour": 2, "minute": 52, "second": 21}
